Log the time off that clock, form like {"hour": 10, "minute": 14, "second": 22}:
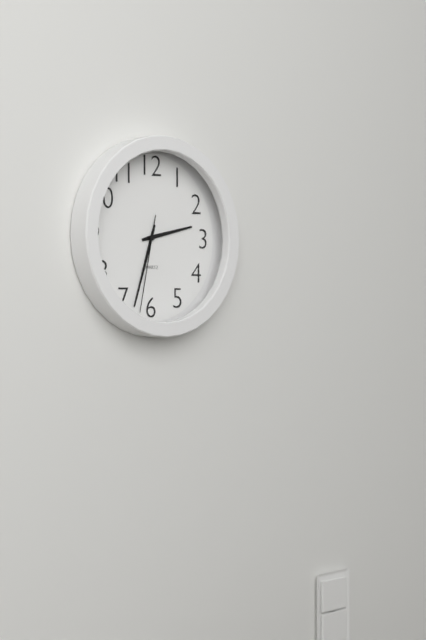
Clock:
{"hour": 2, "minute": 33, "second": 32}
